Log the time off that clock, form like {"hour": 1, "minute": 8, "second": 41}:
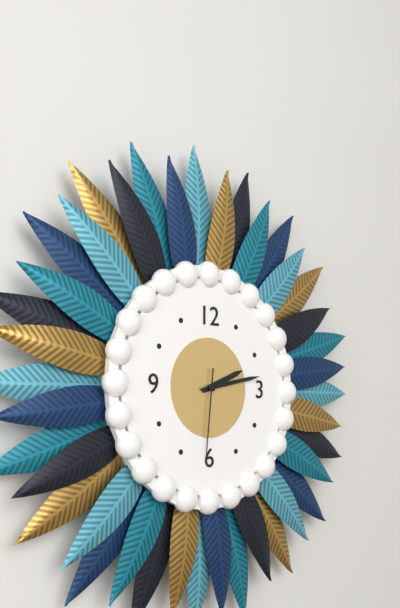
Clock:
{"hour": 2, "minute": 13, "second": 31}
